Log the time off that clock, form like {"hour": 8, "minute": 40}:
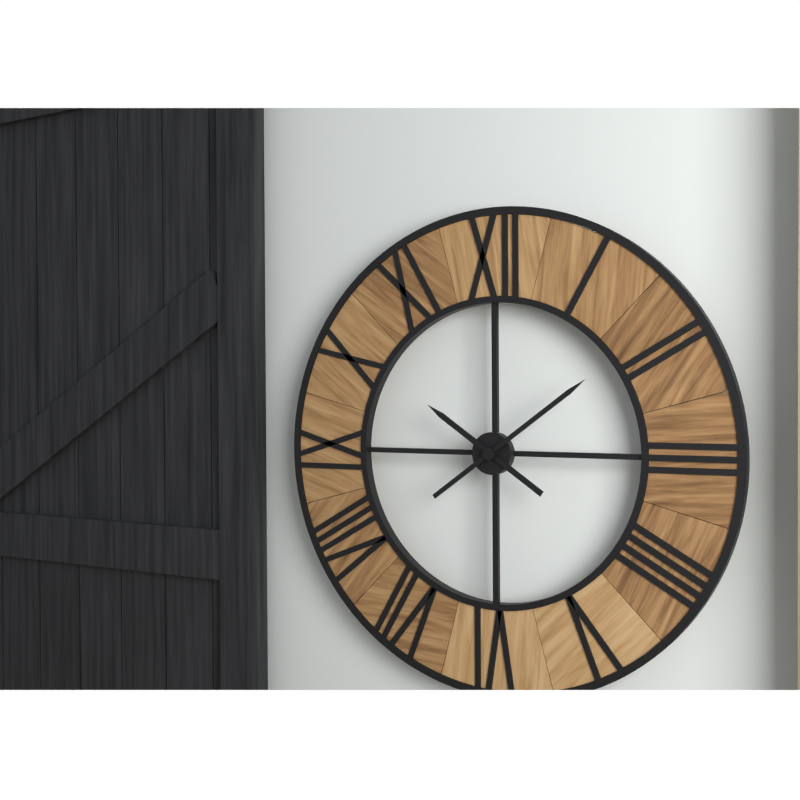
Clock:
{"hour": 10, "minute": 9}
